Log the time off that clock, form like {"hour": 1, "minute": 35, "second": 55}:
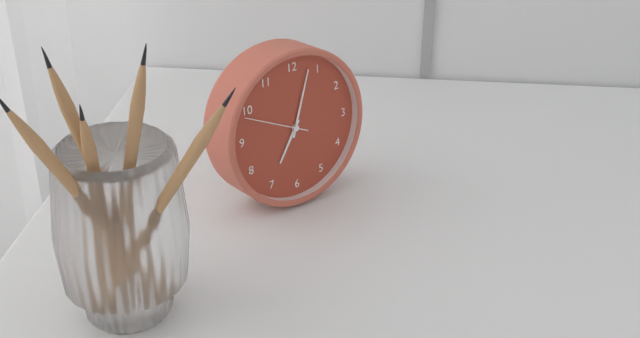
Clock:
{"hour": 7, "minute": 3, "second": 49}
